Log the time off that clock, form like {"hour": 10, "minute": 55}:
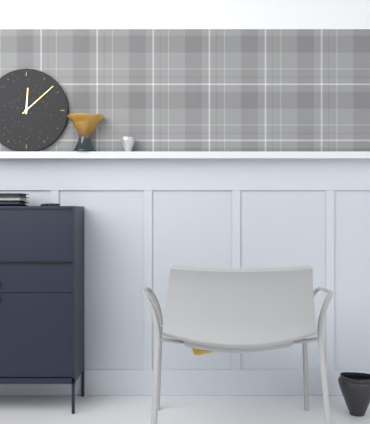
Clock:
{"hour": 12, "minute": 8}
